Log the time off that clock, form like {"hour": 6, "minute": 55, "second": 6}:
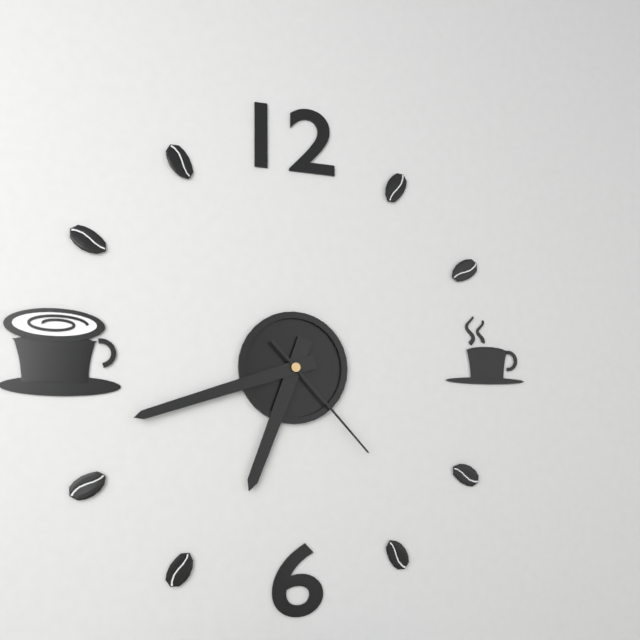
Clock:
{"hour": 6, "minute": 42, "second": 23}
